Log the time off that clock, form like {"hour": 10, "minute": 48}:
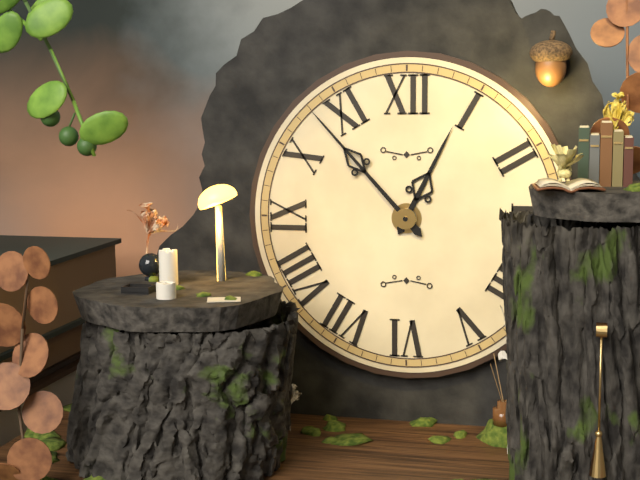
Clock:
{"hour": 12, "minute": 53}
